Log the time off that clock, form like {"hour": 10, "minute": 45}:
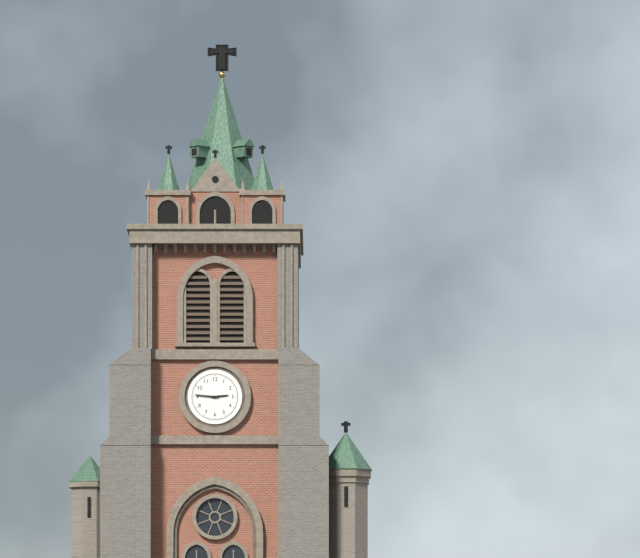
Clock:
{"hour": 2, "minute": 46}
